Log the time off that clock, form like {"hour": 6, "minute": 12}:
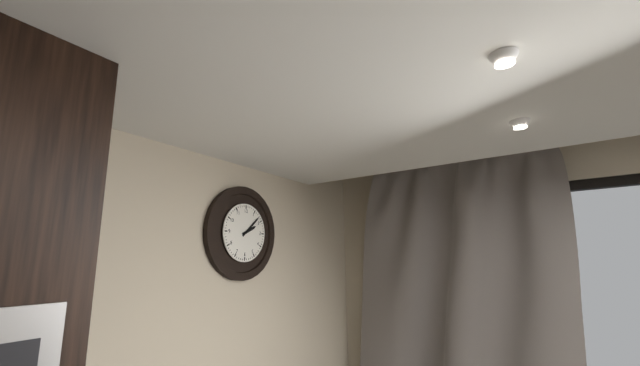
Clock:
{"hour": 2, "minute": 8}
